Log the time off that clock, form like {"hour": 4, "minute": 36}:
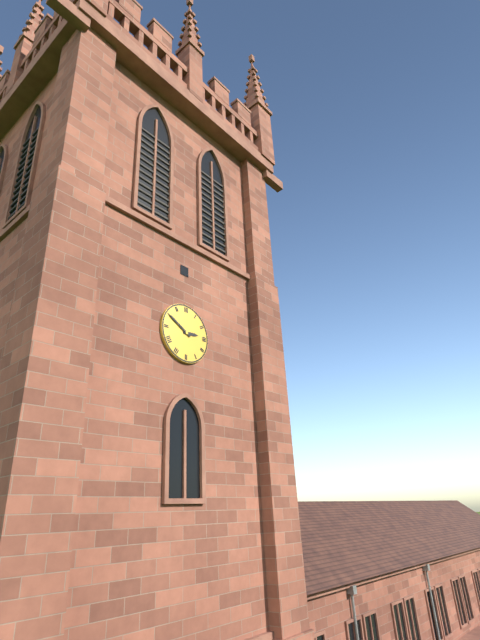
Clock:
{"hour": 2, "minute": 50}
